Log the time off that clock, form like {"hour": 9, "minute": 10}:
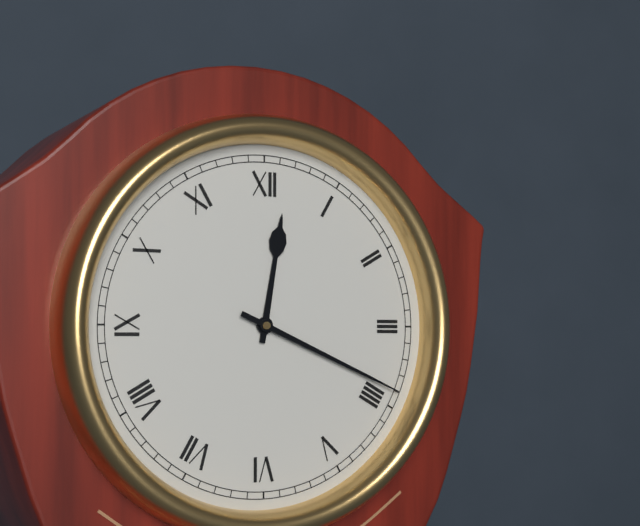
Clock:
{"hour": 12, "minute": 19}
